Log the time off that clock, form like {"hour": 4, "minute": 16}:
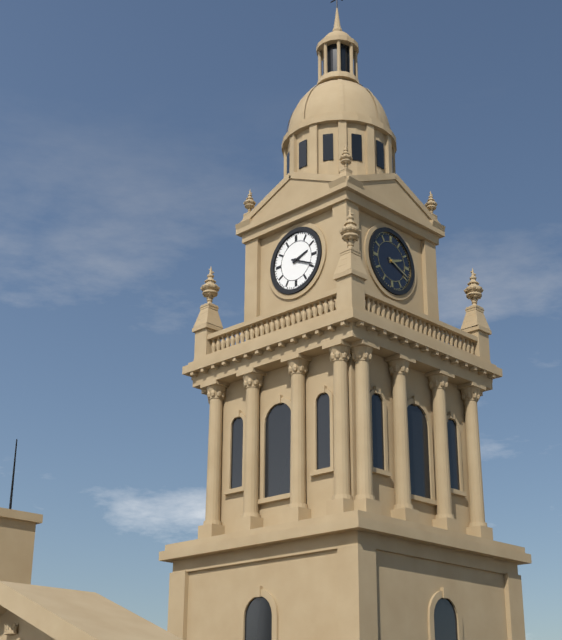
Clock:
{"hour": 2, "minute": 19}
